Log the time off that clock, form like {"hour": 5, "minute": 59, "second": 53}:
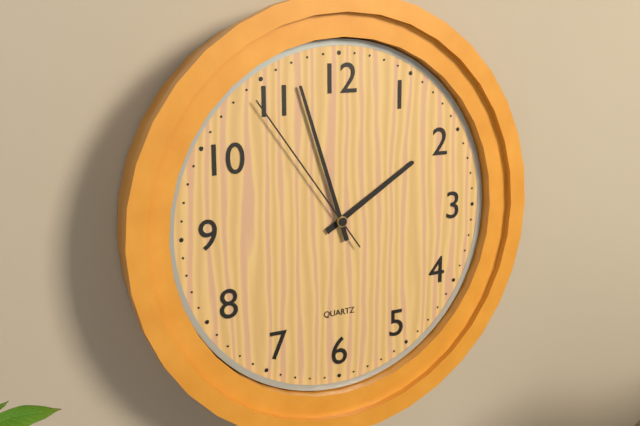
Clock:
{"hour": 1, "minute": 57, "second": 54}
